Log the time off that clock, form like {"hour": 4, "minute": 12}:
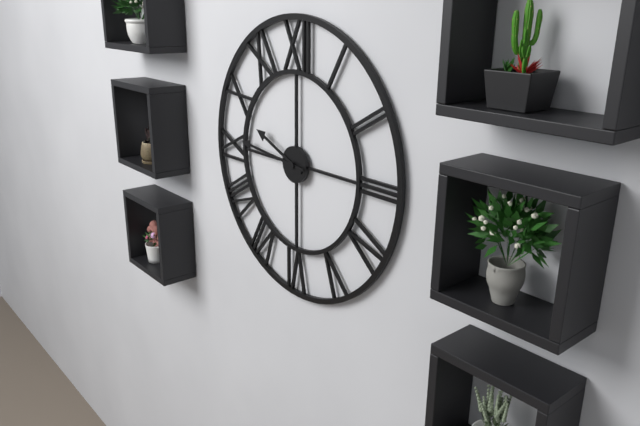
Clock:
{"hour": 9, "minute": 46}
